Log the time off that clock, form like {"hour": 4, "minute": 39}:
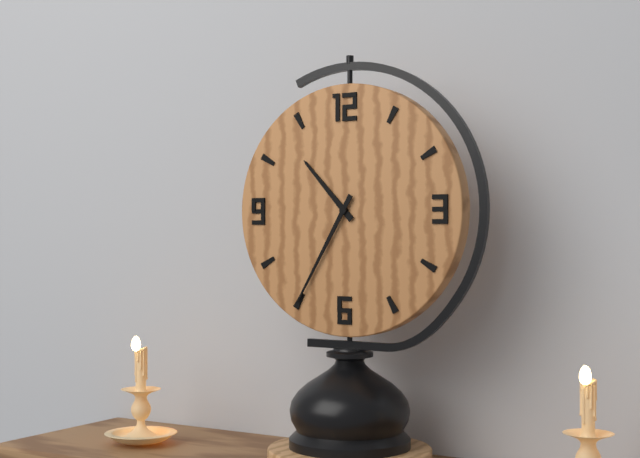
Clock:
{"hour": 10, "minute": 35}
